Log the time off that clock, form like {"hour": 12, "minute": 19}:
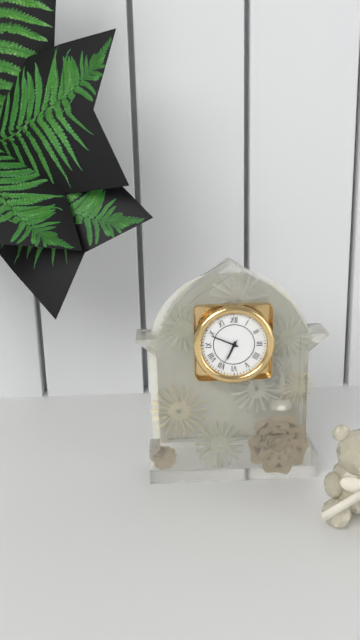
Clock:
{"hour": 6, "minute": 49}
